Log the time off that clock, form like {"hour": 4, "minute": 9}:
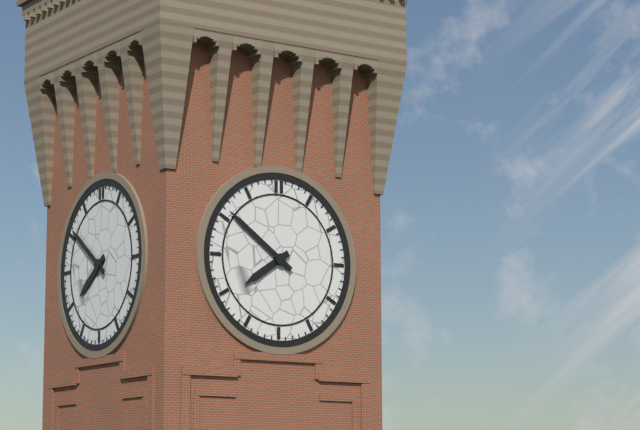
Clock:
{"hour": 7, "minute": 51}
